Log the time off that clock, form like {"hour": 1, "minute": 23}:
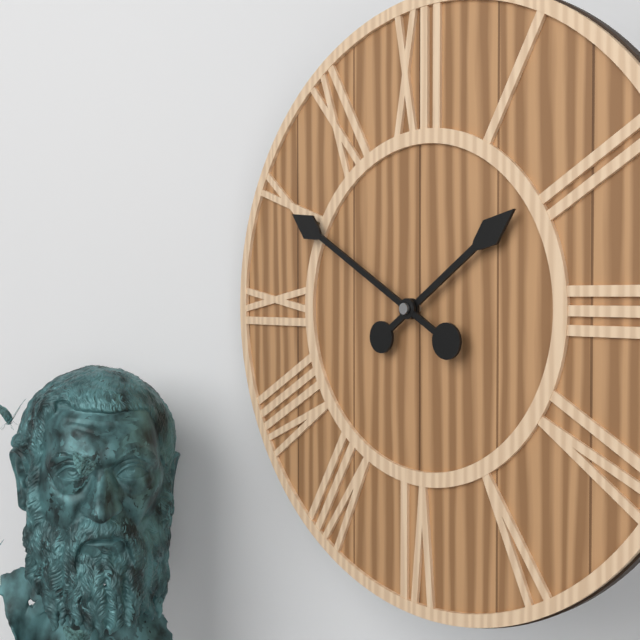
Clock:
{"hour": 1, "minute": 50}
